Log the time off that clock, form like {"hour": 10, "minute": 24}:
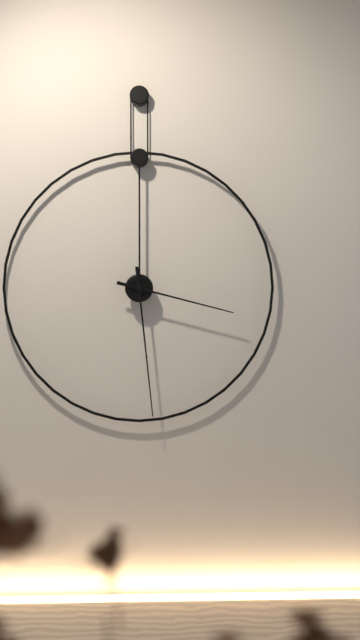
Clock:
{"hour": 3, "minute": 29}
